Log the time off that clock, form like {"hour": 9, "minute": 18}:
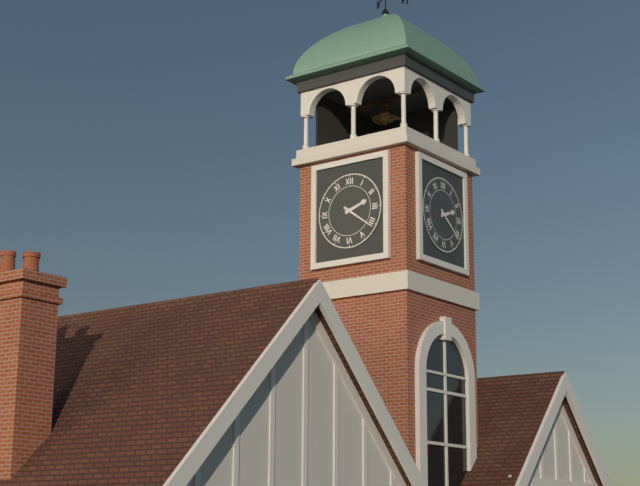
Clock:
{"hour": 2, "minute": 21}
